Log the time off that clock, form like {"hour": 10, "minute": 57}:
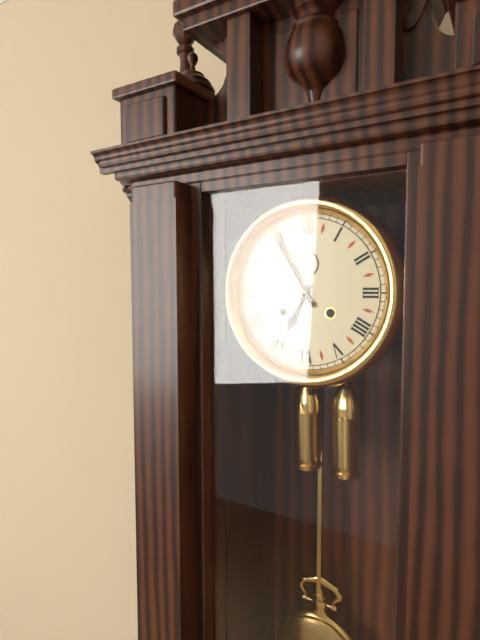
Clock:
{"hour": 6, "minute": 55}
